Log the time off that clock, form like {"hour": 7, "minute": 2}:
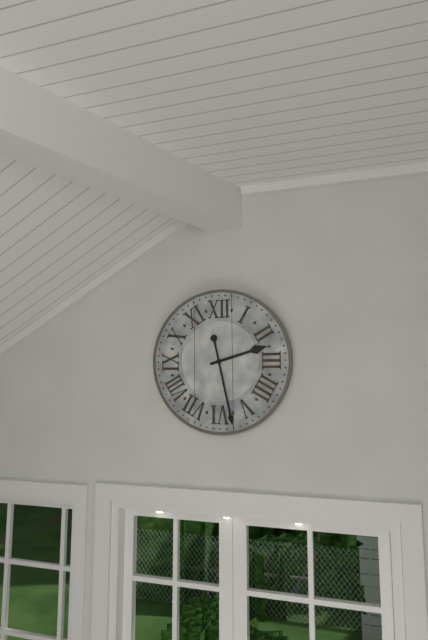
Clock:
{"hour": 2, "minute": 28}
